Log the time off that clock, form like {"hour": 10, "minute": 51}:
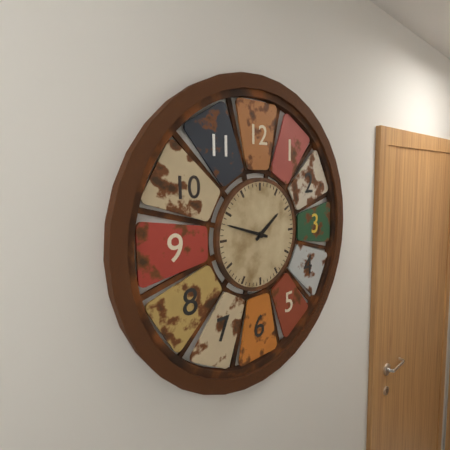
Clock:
{"hour": 1, "minute": 48}
